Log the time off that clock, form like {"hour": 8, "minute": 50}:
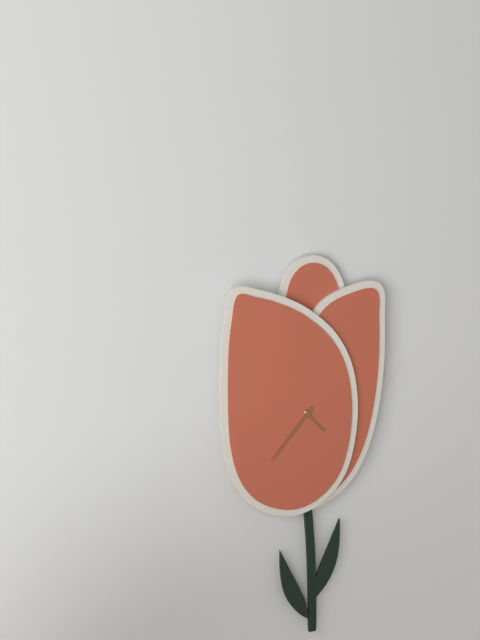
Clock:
{"hour": 4, "minute": 37}
